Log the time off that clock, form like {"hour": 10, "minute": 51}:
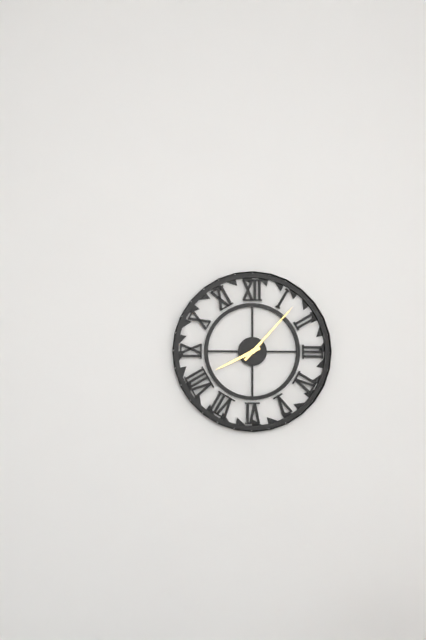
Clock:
{"hour": 8, "minute": 7}
